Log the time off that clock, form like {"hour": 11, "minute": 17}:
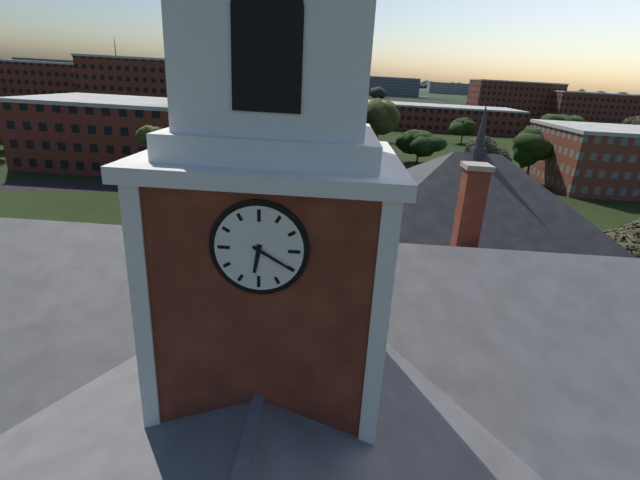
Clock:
{"hour": 6, "minute": 20}
